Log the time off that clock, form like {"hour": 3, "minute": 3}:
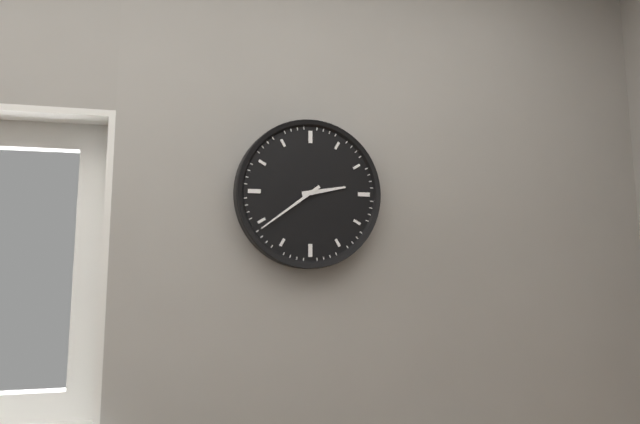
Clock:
{"hour": 2, "minute": 39}
